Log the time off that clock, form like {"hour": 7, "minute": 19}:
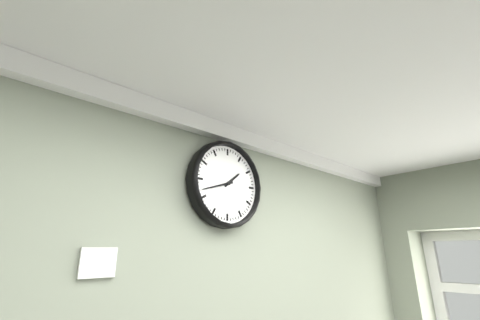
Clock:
{"hour": 1, "minute": 42}
